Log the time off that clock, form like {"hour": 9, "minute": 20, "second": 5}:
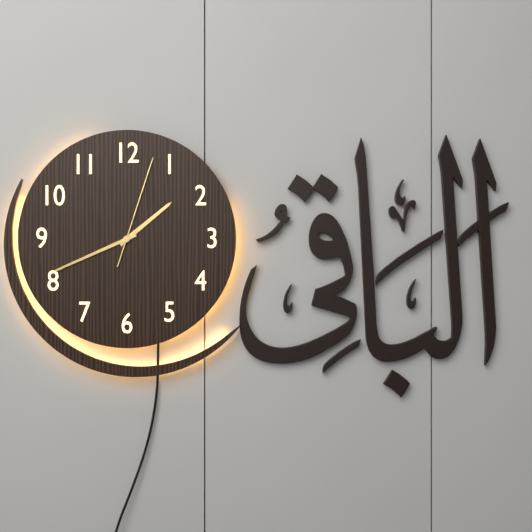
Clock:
{"hour": 1, "minute": 41, "second": 3}
